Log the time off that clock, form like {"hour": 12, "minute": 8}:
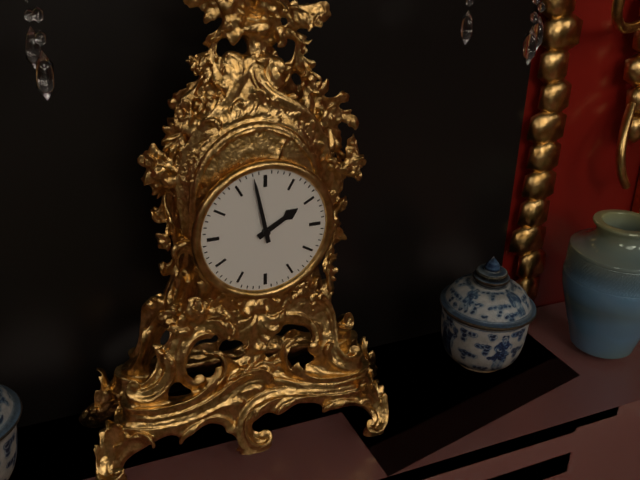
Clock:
{"hour": 1, "minute": 58}
